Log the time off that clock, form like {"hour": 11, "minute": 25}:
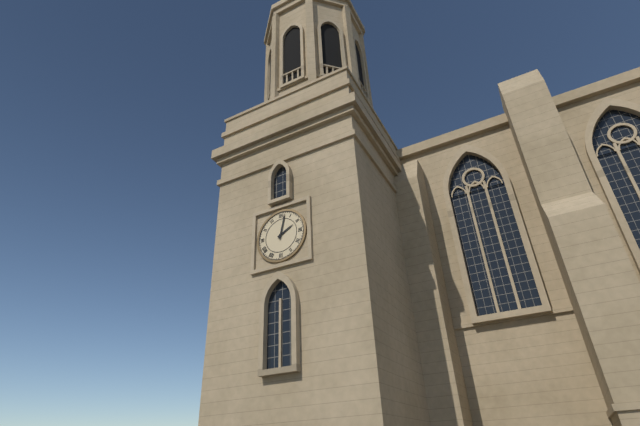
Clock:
{"hour": 2, "minute": 2}
